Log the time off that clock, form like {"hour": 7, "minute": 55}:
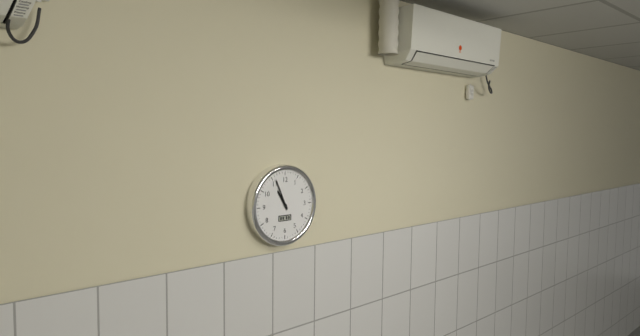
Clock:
{"hour": 10, "minute": 56}
